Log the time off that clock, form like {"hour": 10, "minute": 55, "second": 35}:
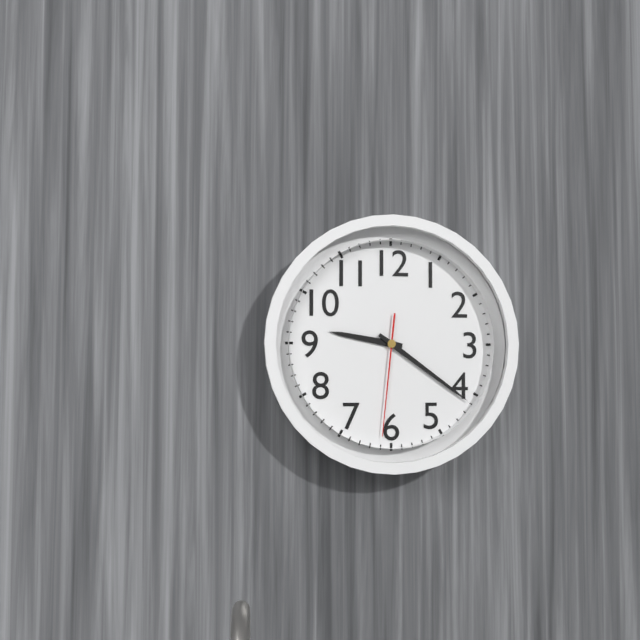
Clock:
{"hour": 9, "minute": 21, "second": 31}
